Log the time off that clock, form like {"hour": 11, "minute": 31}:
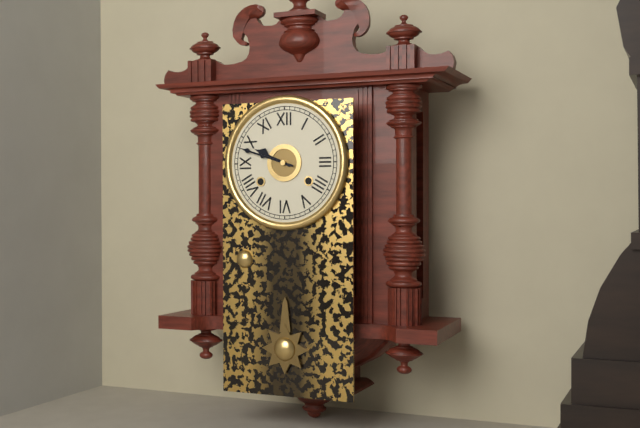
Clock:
{"hour": 9, "minute": 48}
